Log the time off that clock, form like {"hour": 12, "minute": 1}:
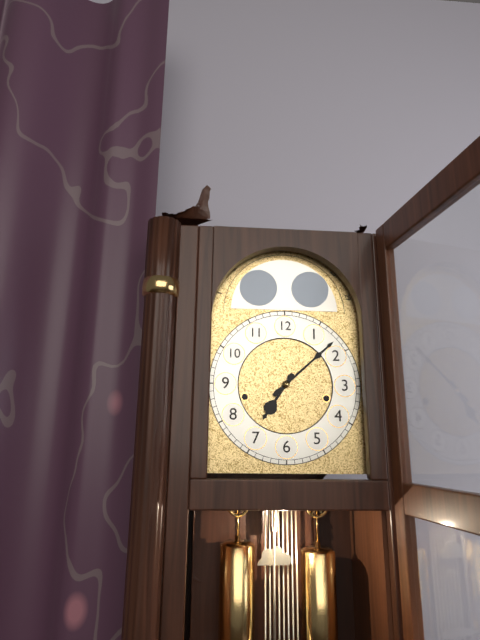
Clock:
{"hour": 7, "minute": 8}
